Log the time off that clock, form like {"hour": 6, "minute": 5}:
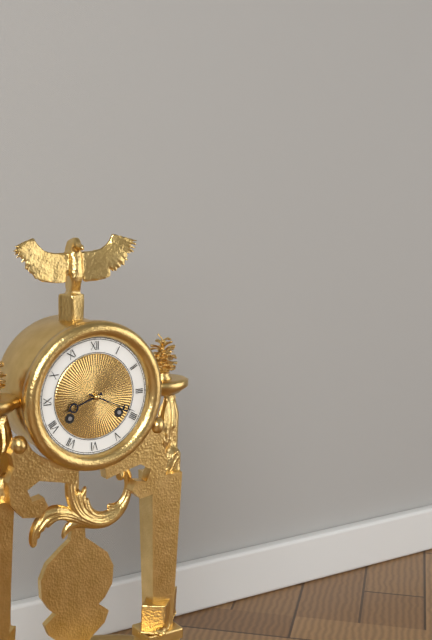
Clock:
{"hour": 8, "minute": 19}
